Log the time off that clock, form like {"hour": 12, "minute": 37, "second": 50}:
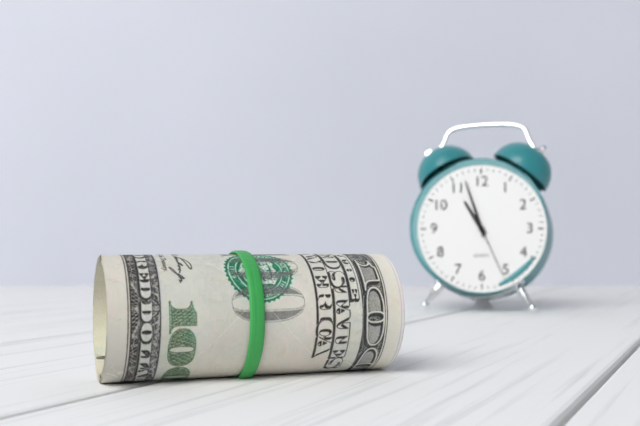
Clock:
{"hour": 10, "minute": 57, "second": 26}
